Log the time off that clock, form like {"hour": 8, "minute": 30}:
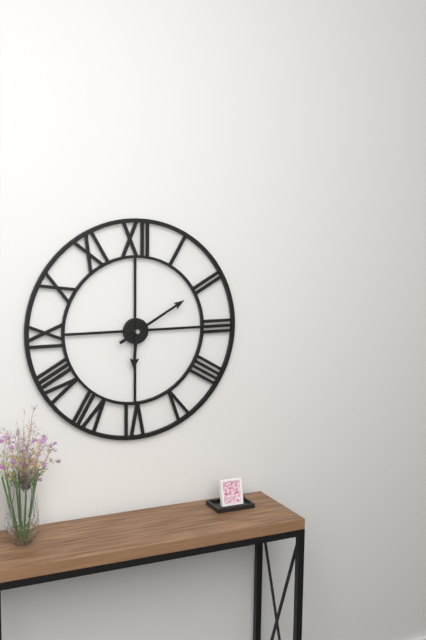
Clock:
{"hour": 6, "minute": 10}
